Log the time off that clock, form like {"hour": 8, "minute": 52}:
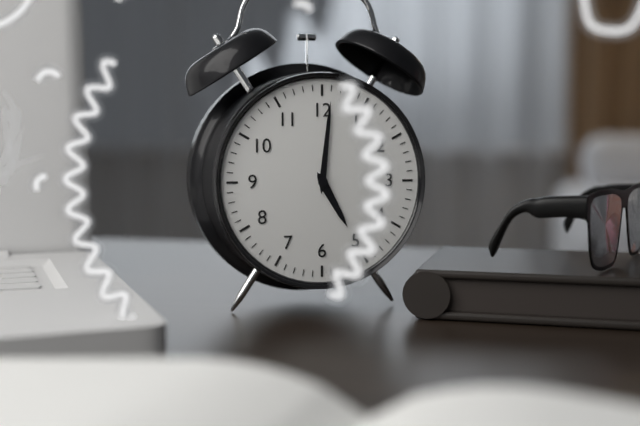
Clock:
{"hour": 5, "minute": 1}
